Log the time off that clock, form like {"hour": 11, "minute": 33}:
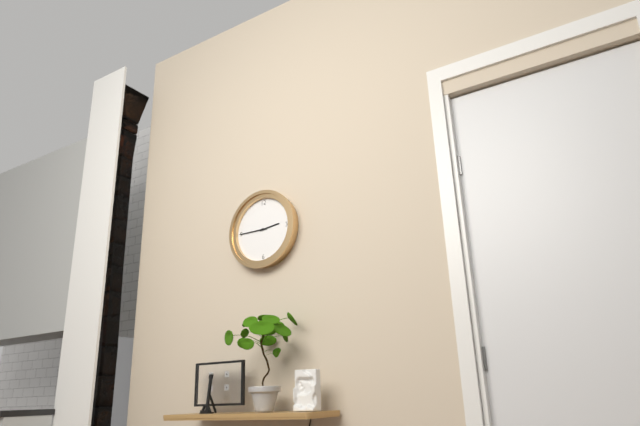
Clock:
{"hour": 2, "minute": 45}
